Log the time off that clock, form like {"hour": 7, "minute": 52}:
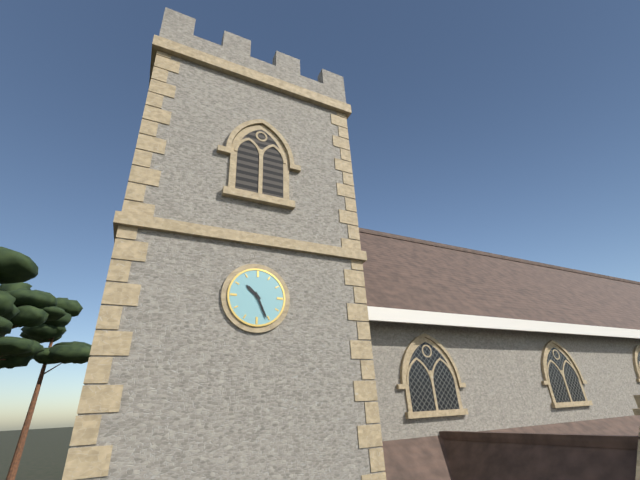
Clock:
{"hour": 10, "minute": 26}
